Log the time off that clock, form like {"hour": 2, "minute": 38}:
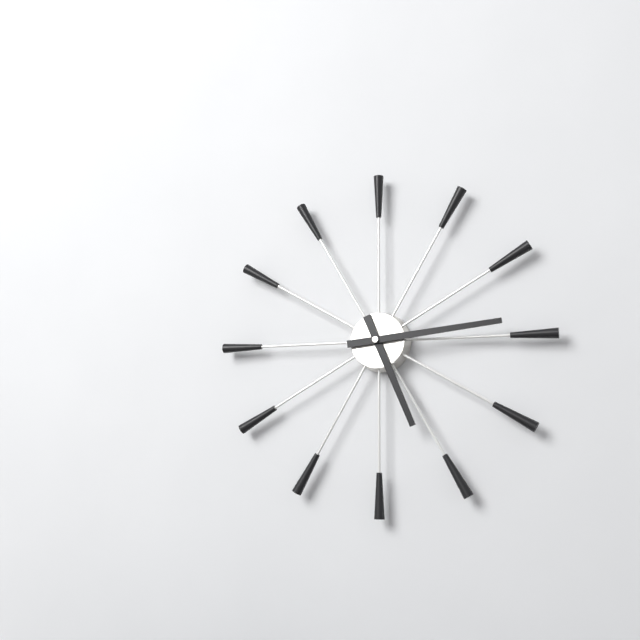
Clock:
{"hour": 5, "minute": 14}
